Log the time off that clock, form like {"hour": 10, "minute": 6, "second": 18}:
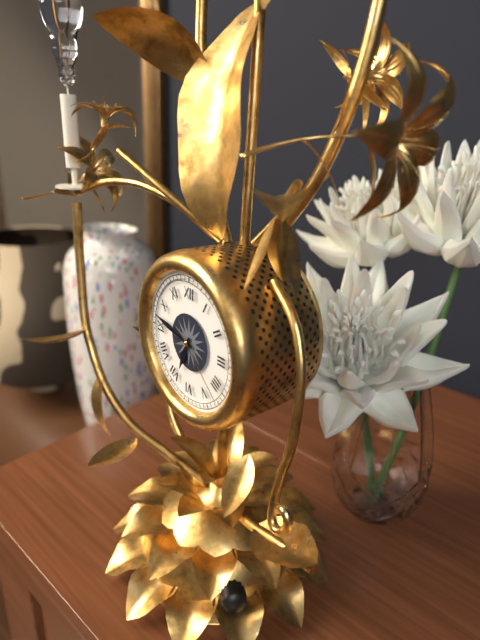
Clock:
{"hour": 6, "minute": 47, "second": 22}
